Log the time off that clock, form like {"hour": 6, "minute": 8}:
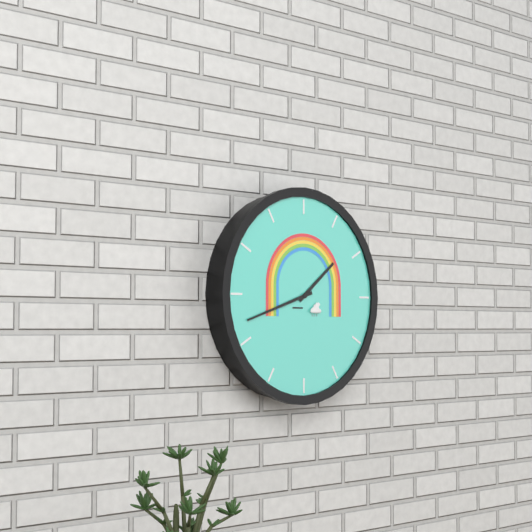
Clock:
{"hour": 1, "minute": 42}
